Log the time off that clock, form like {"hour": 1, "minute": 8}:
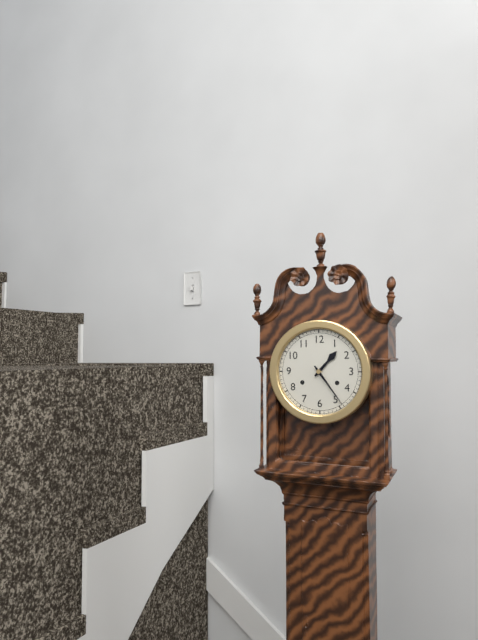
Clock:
{"hour": 1, "minute": 24}
